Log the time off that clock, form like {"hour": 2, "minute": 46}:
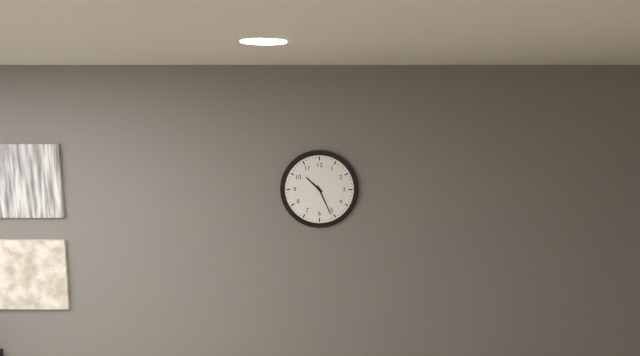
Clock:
{"hour": 10, "minute": 26}
